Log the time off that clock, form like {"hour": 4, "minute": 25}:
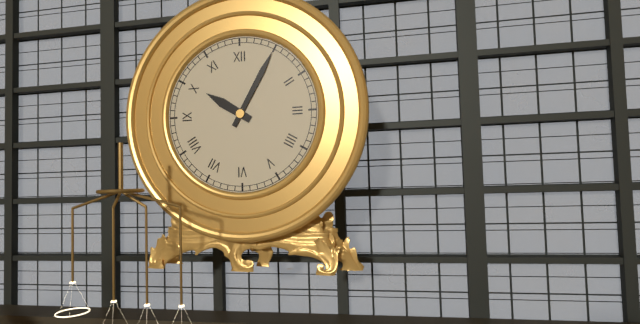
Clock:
{"hour": 10, "minute": 5}
